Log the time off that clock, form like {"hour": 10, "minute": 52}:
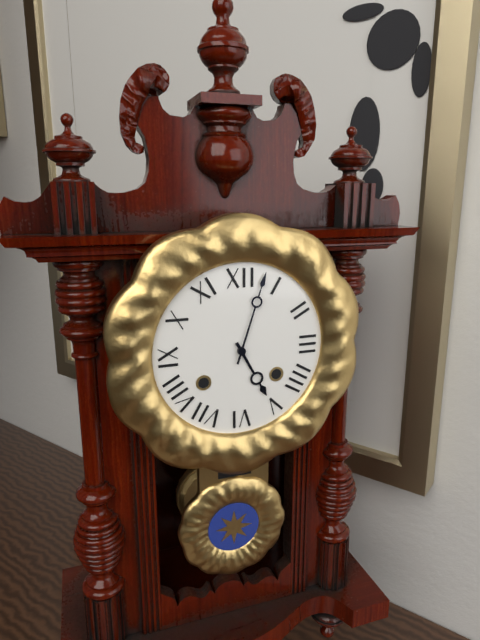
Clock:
{"hour": 5, "minute": 3}
